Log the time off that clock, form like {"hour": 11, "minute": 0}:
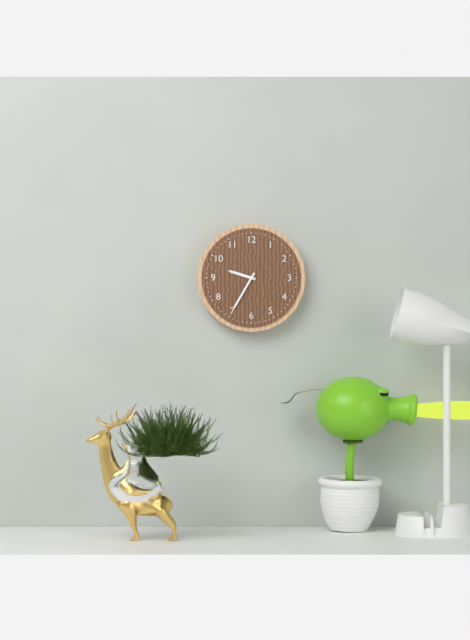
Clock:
{"hour": 9, "minute": 35}
